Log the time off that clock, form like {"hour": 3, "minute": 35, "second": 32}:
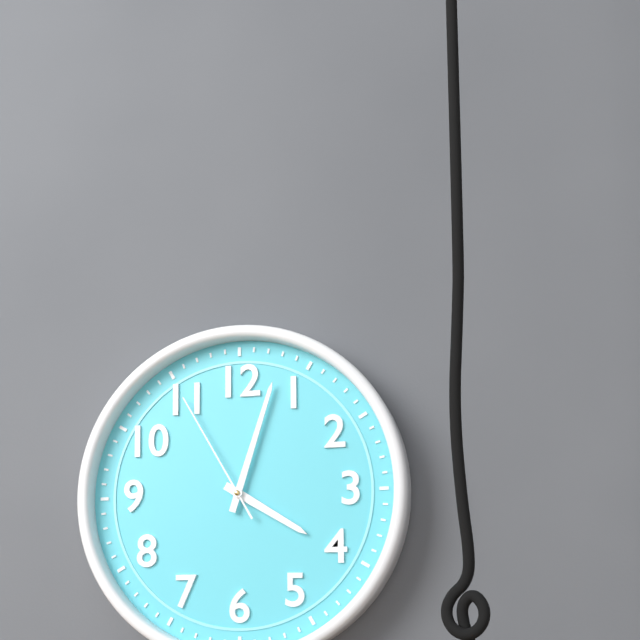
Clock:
{"hour": 4, "minute": 3, "second": 55}
